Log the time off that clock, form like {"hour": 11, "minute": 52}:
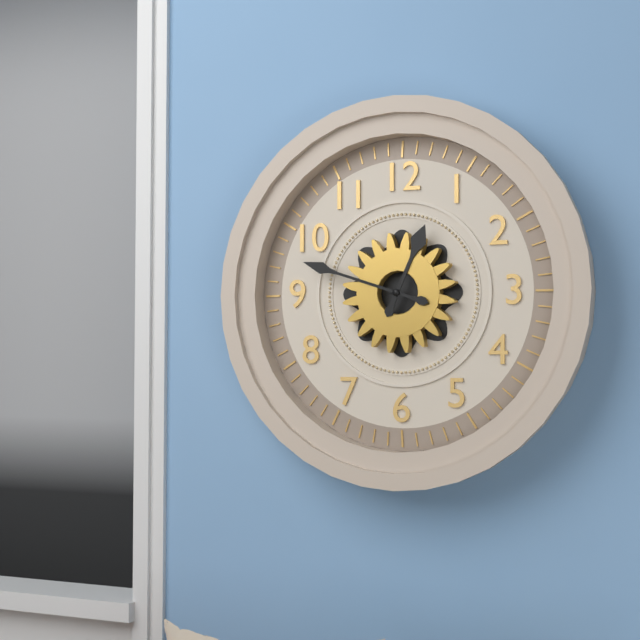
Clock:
{"hour": 12, "minute": 48}
